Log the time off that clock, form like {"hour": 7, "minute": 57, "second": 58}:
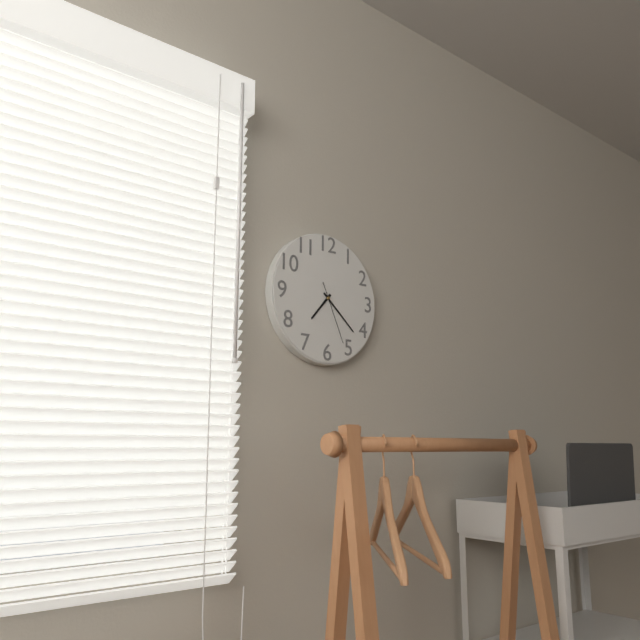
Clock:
{"hour": 7, "minute": 22, "second": 26}
